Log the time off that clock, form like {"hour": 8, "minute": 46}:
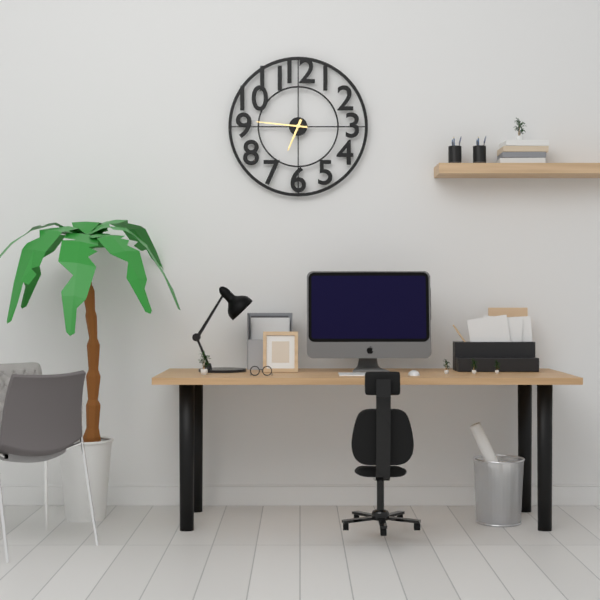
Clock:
{"hour": 6, "minute": 46}
